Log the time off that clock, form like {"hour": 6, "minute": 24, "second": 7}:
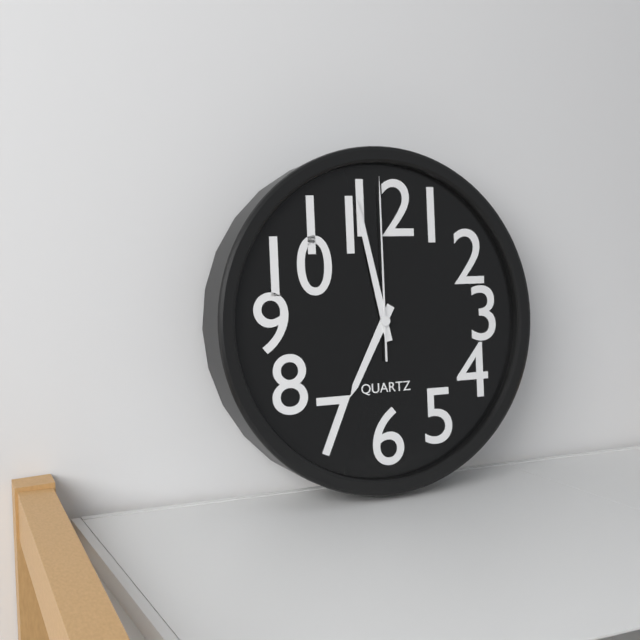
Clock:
{"hour": 6, "minute": 58, "second": 0}
